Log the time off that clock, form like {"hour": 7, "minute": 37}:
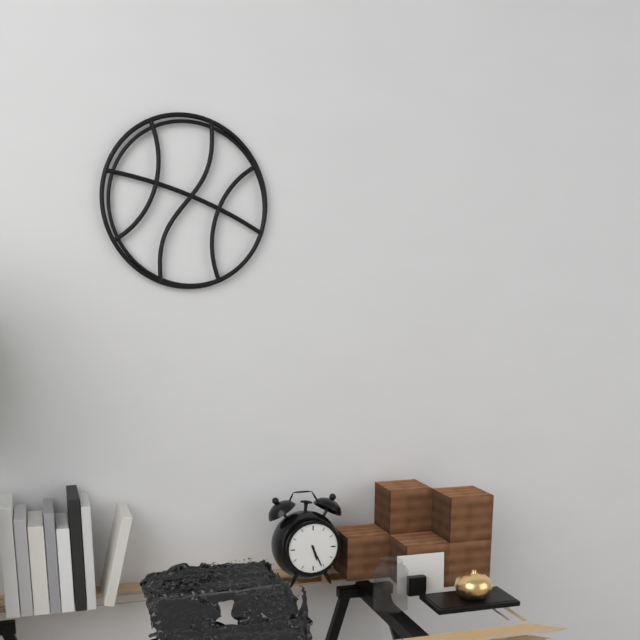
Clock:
{"hour": 5, "minute": 26}
